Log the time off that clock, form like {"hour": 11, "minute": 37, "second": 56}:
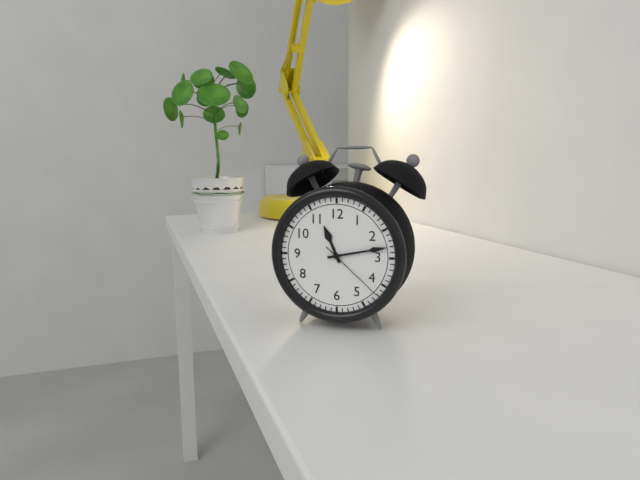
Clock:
{"hour": 11, "minute": 13, "second": 22}
